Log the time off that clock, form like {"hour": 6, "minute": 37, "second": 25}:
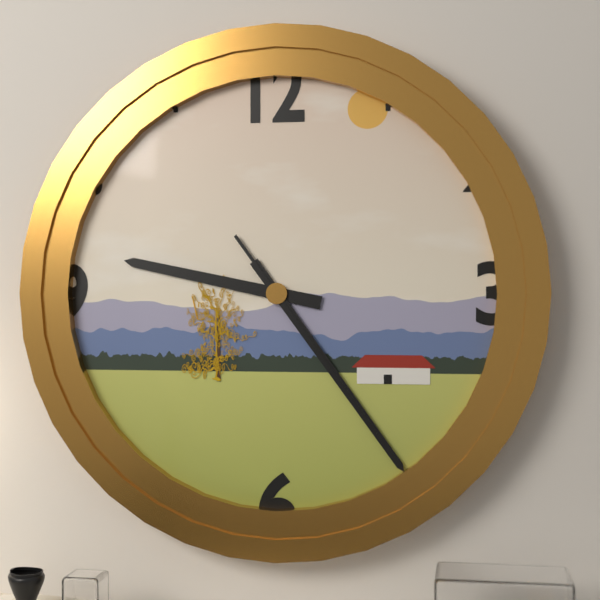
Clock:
{"hour": 9, "minute": 24, "second": 24}
